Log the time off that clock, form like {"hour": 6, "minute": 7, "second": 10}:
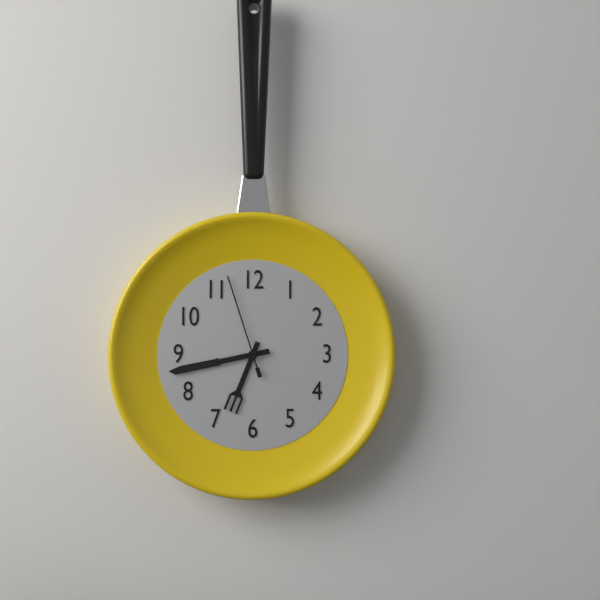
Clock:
{"hour": 6, "minute": 43, "second": 57}
